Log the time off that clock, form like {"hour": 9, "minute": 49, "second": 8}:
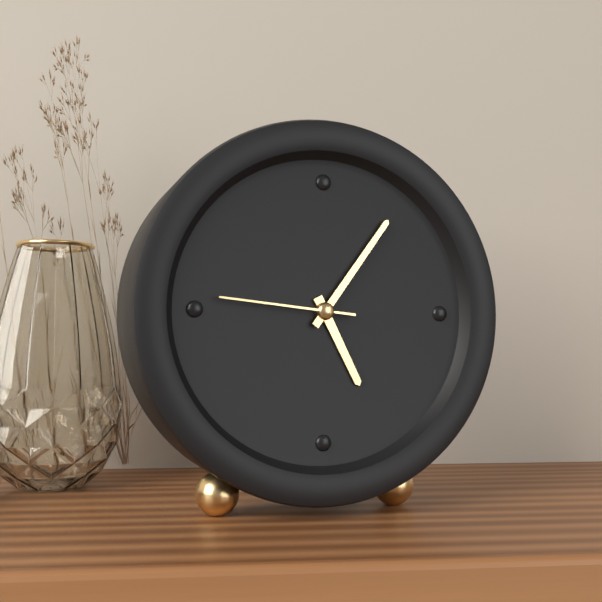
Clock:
{"hour": 5, "minute": 6, "second": 46}
